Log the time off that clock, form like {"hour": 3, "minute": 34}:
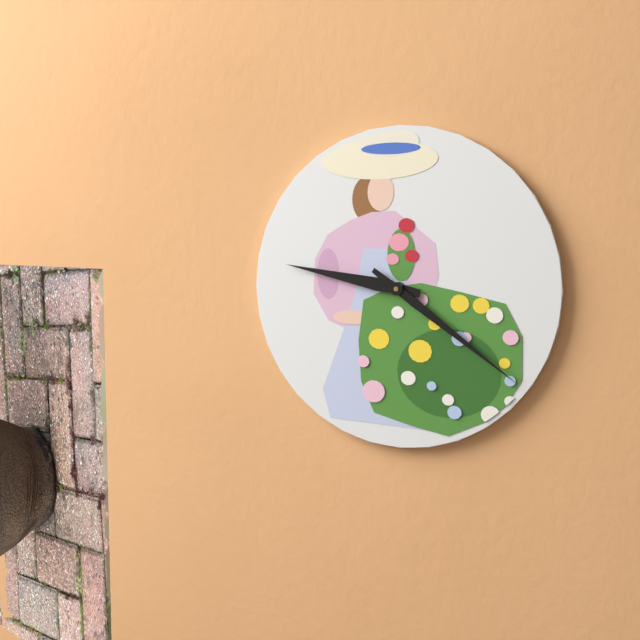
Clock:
{"hour": 9, "minute": 21}
